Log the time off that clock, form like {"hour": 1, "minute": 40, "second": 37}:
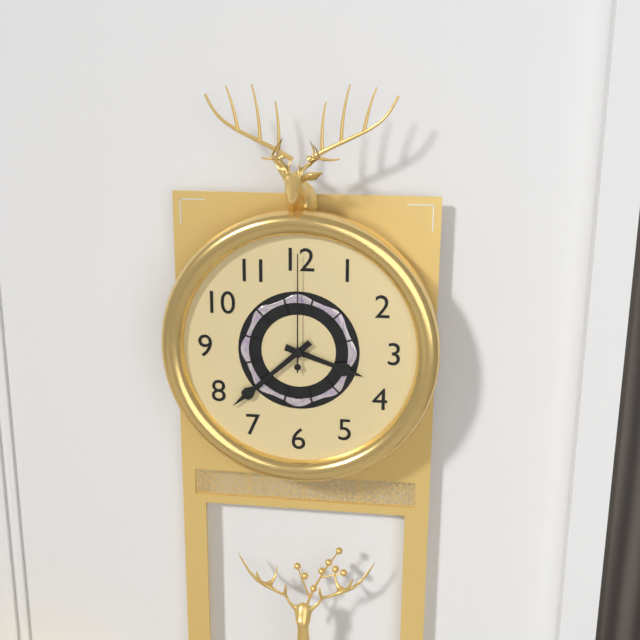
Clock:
{"hour": 3, "minute": 38, "second": 0}
